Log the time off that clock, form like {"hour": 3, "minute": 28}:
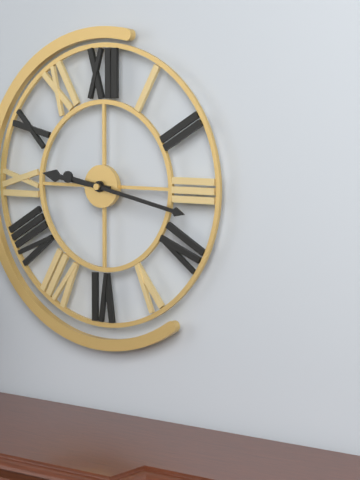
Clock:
{"hour": 9, "minute": 17}
